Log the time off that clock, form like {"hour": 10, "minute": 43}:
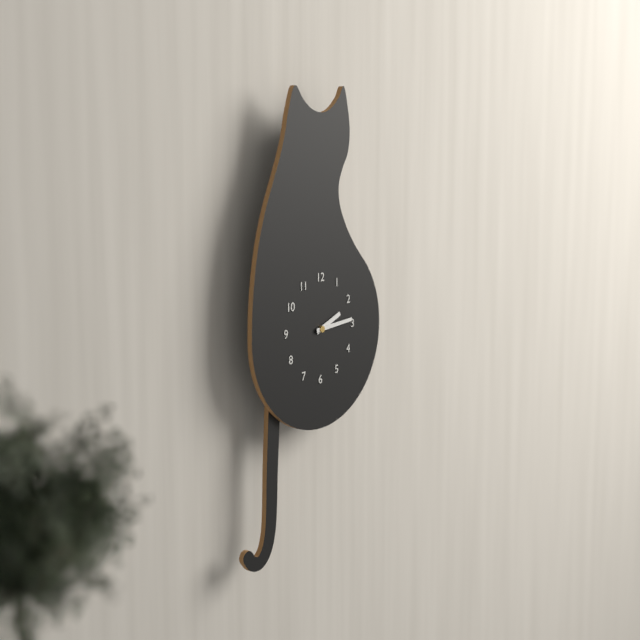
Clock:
{"hour": 2, "minute": 14}
